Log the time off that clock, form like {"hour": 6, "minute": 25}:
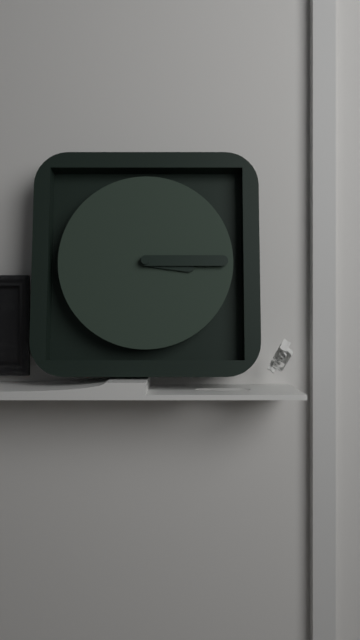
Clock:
{"hour": 3, "minute": 15}
